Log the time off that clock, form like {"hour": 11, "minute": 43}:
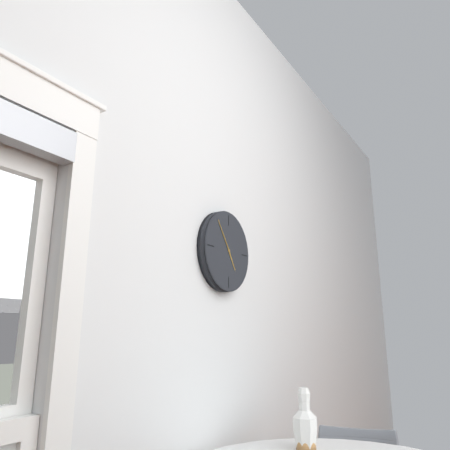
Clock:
{"hour": 4, "minute": 54}
